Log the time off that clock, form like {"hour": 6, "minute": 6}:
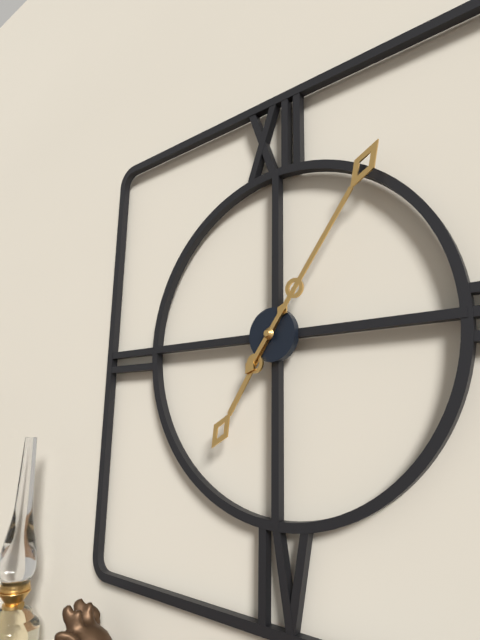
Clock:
{"hour": 7, "minute": 6}
